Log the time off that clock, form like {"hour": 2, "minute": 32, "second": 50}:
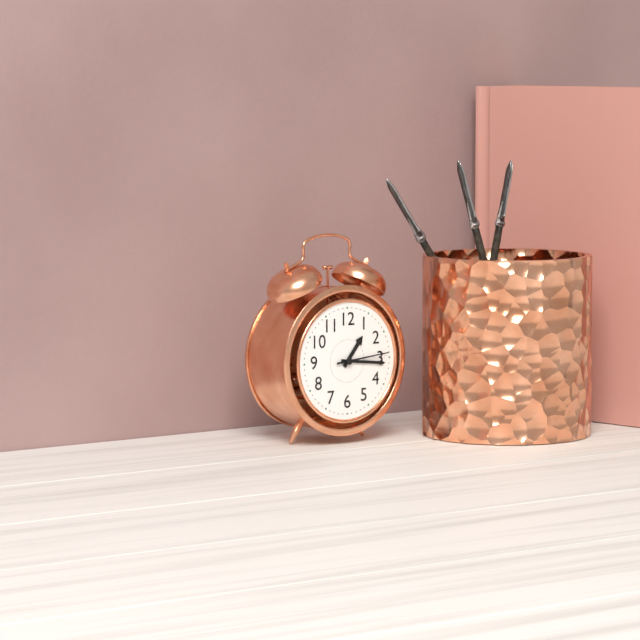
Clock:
{"hour": 1, "minute": 16, "second": 14}
